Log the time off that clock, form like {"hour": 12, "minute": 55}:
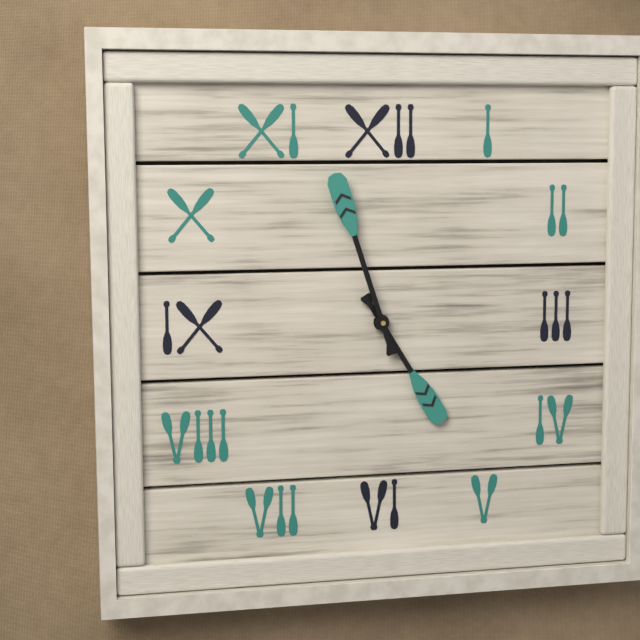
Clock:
{"hour": 4, "minute": 57}
